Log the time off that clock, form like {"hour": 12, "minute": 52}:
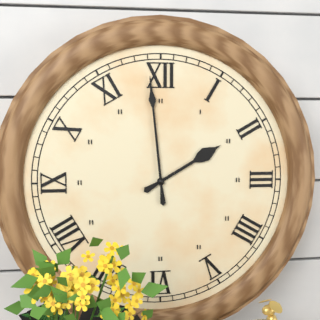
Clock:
{"hour": 1, "minute": 59}
